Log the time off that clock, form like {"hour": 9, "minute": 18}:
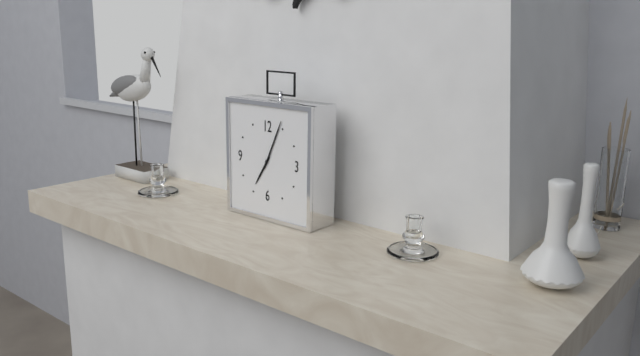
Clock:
{"hour": 7, "minute": 4}
